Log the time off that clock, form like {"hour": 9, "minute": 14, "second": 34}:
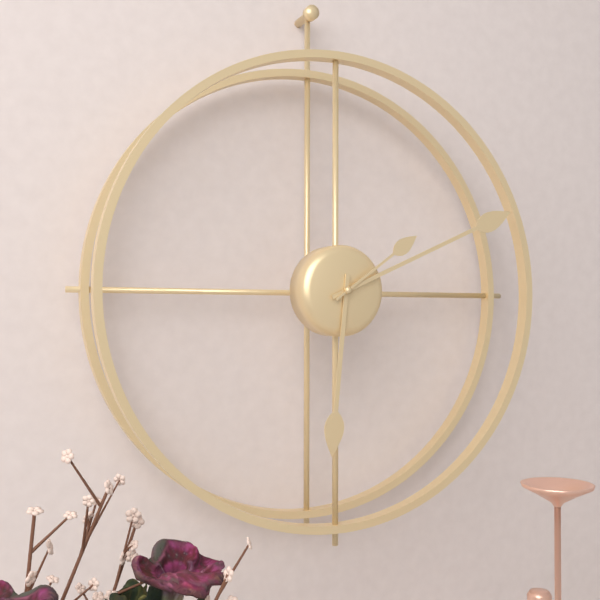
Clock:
{"hour": 6, "minute": 11, "second": 9}
